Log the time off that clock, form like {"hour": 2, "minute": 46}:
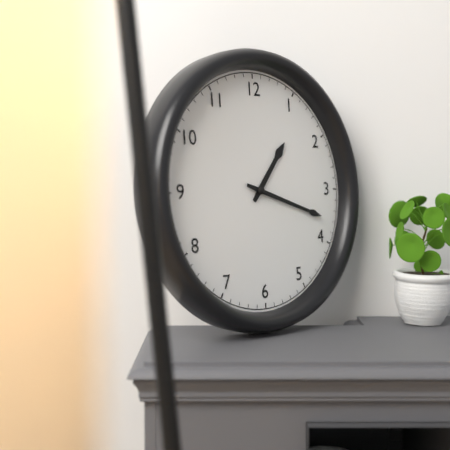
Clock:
{"hour": 1, "minute": 18}
